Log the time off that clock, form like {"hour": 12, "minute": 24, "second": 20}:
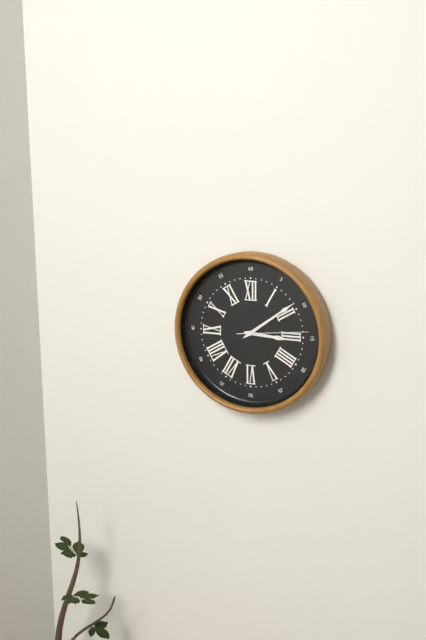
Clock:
{"hour": 3, "minute": 9, "second": 14}
